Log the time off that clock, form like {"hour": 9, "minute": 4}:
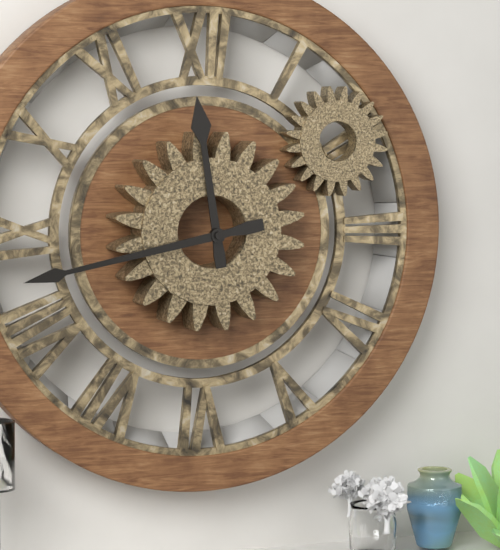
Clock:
{"hour": 11, "minute": 43}
